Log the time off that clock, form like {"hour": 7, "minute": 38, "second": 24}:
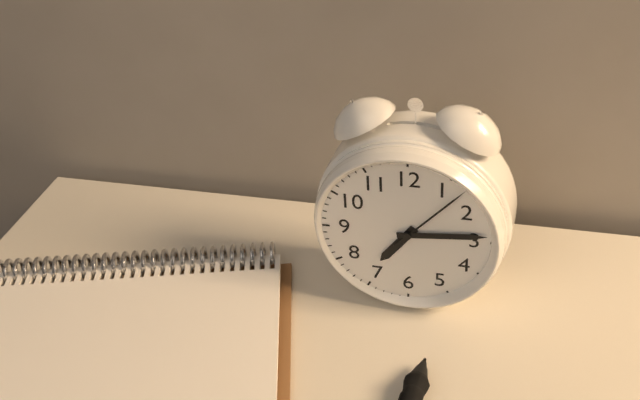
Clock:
{"hour": 7, "minute": 14, "second": 7}
